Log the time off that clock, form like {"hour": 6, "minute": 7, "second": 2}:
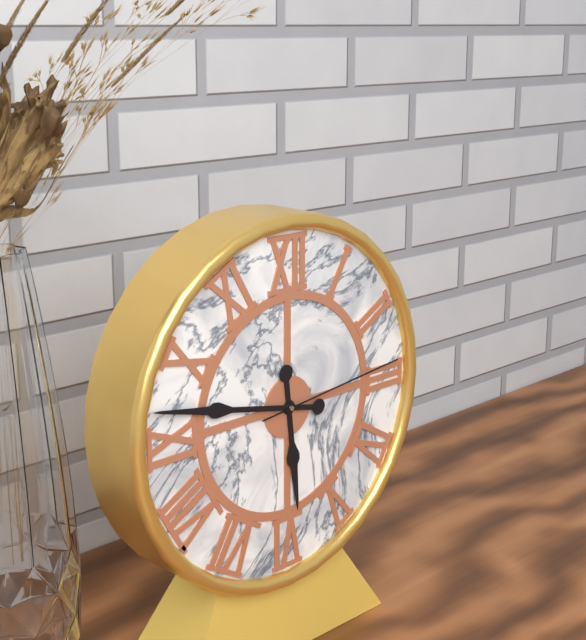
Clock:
{"hour": 5, "minute": 47, "second": 14}
